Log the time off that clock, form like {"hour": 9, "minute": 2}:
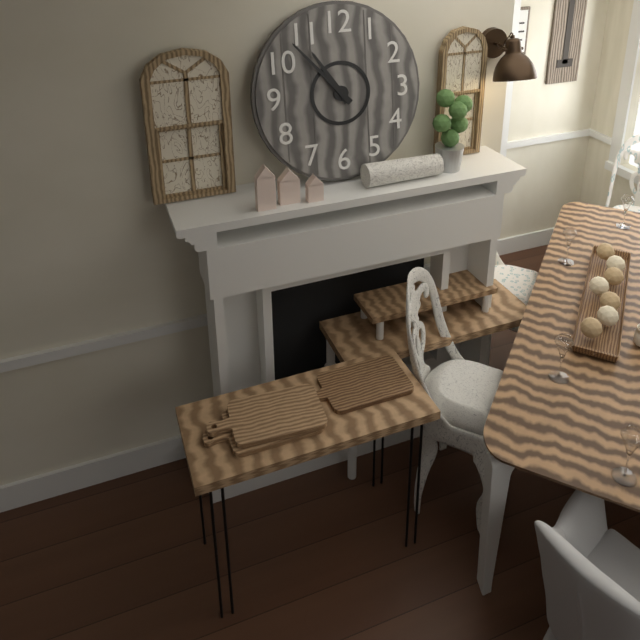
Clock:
{"hour": 10, "minute": 53}
